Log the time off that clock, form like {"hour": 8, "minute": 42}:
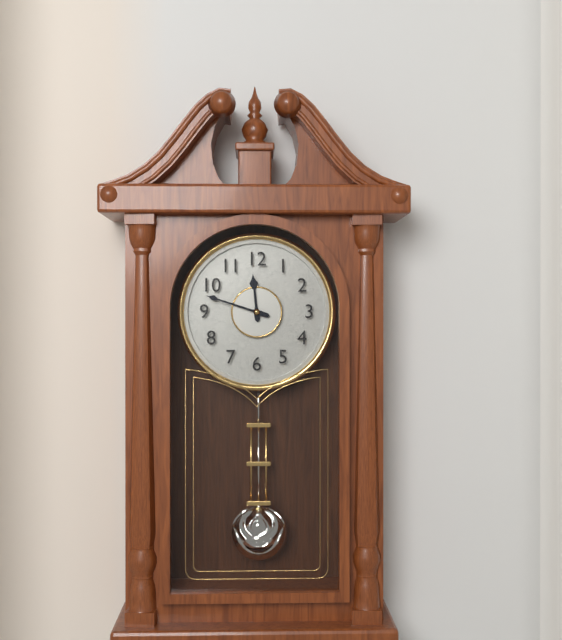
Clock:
{"hour": 11, "minute": 48}
